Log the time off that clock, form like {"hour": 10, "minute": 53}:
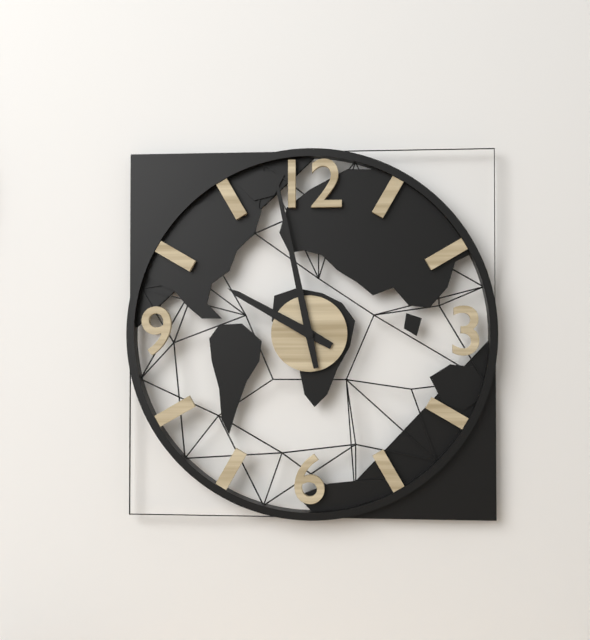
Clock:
{"hour": 9, "minute": 58}
